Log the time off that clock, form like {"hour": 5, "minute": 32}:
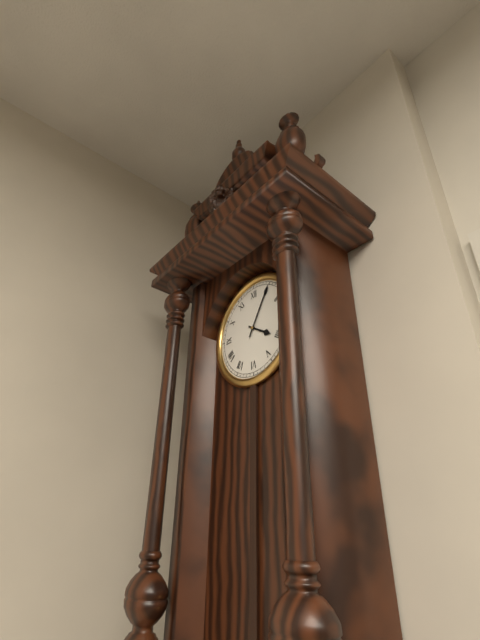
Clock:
{"hour": 4, "minute": 5}
